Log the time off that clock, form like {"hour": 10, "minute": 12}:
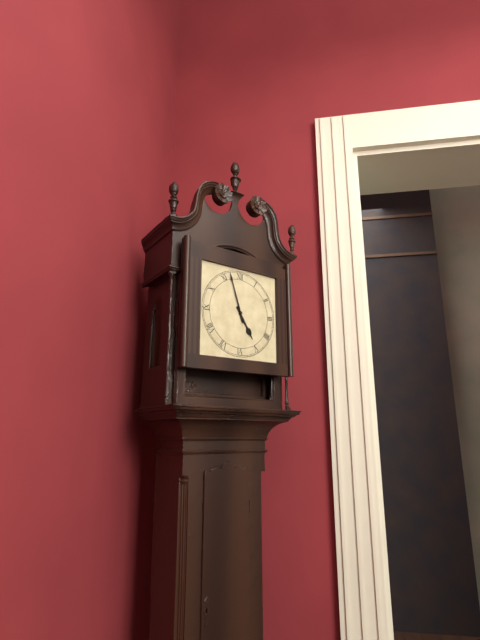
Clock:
{"hour": 4, "minute": 57}
